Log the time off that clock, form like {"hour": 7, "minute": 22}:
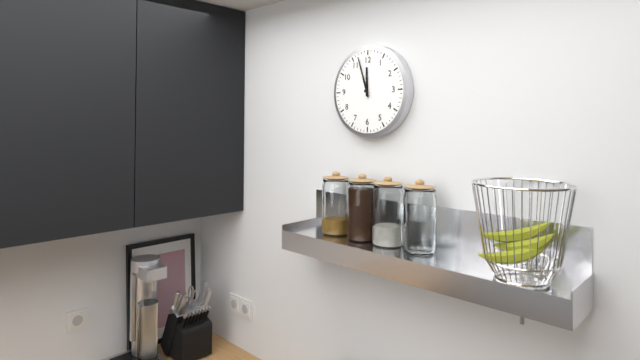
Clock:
{"hour": 11, "minute": 57}
